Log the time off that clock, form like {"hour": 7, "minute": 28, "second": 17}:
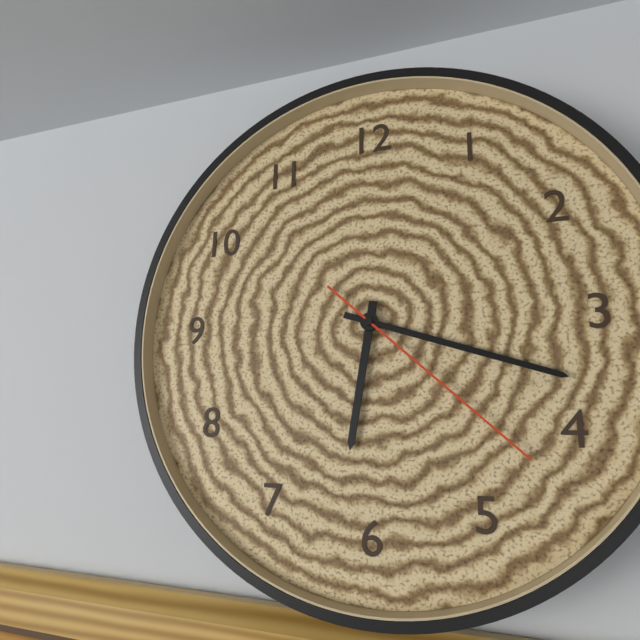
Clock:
{"hour": 6, "minute": 18, "second": 22}
